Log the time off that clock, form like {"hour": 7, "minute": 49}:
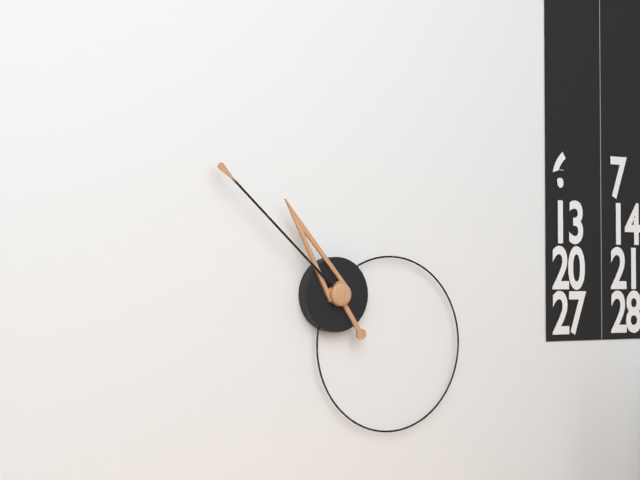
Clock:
{"hour": 10, "minute": 52}
